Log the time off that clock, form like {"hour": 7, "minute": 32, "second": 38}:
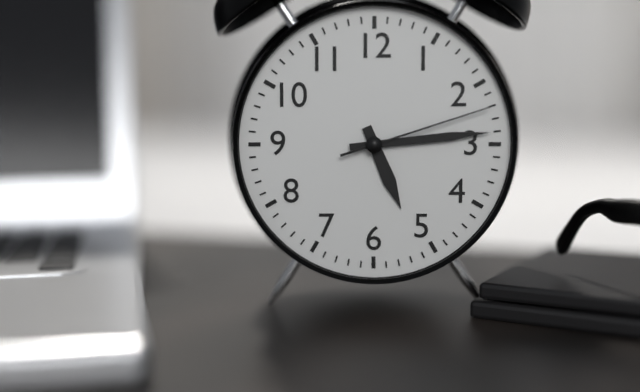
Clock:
{"hour": 5, "minute": 14, "second": 12}
